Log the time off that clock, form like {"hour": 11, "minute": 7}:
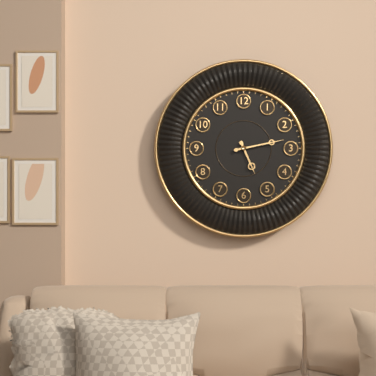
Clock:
{"hour": 5, "minute": 13}
